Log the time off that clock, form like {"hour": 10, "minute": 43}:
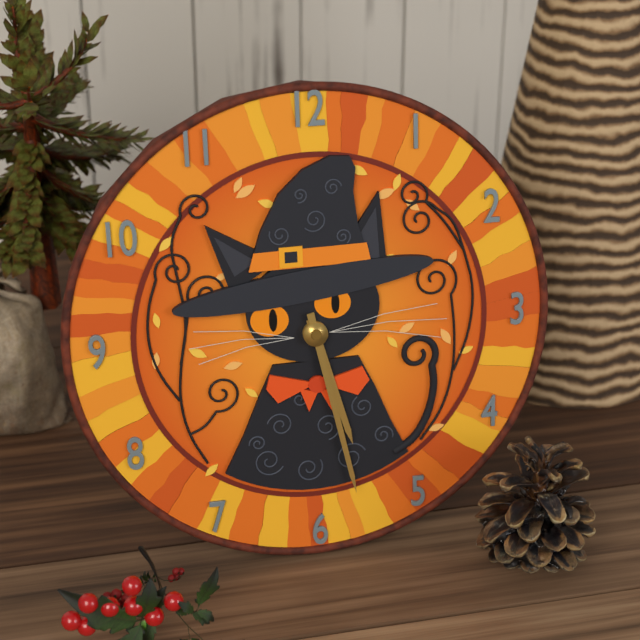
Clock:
{"hour": 5, "minute": 28}
